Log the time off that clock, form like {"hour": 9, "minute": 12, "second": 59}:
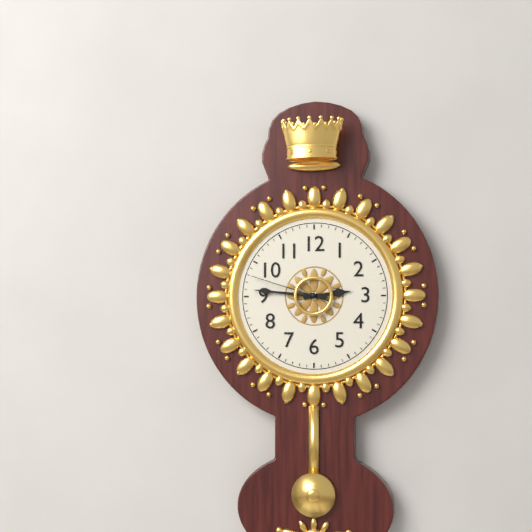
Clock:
{"hour": 2, "minute": 46, "second": 48}
